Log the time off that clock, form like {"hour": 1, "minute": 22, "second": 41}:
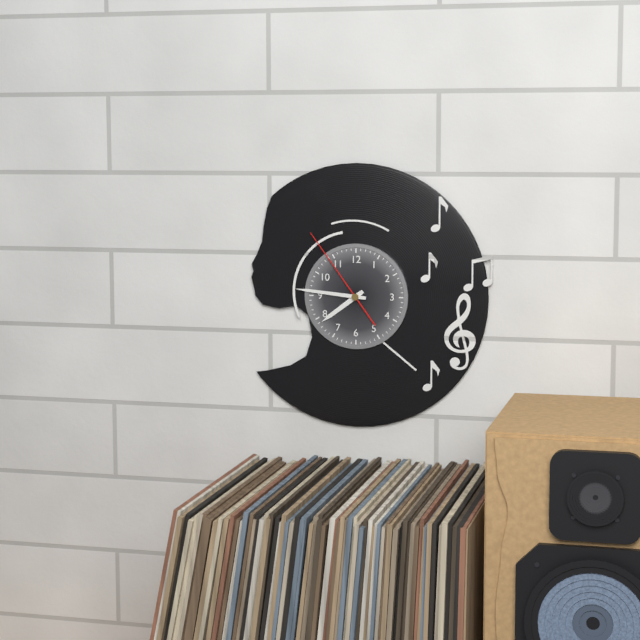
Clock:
{"hour": 7, "minute": 46, "second": 54}
